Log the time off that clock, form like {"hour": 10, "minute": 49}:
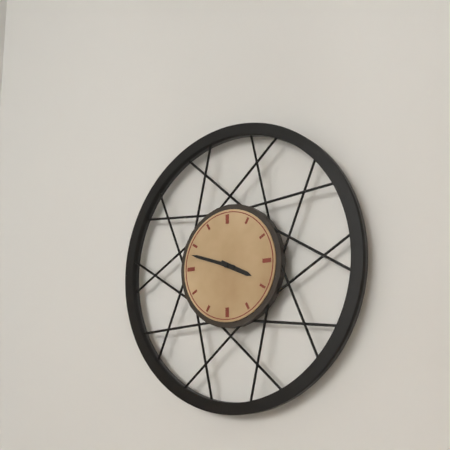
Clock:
{"hour": 3, "minute": 48}
